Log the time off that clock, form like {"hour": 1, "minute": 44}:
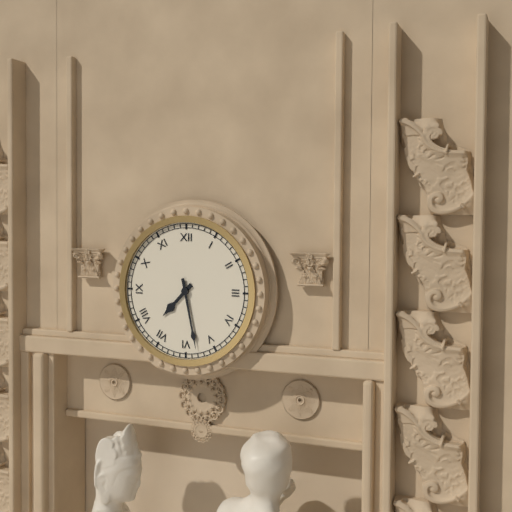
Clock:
{"hour": 7, "minute": 28}
